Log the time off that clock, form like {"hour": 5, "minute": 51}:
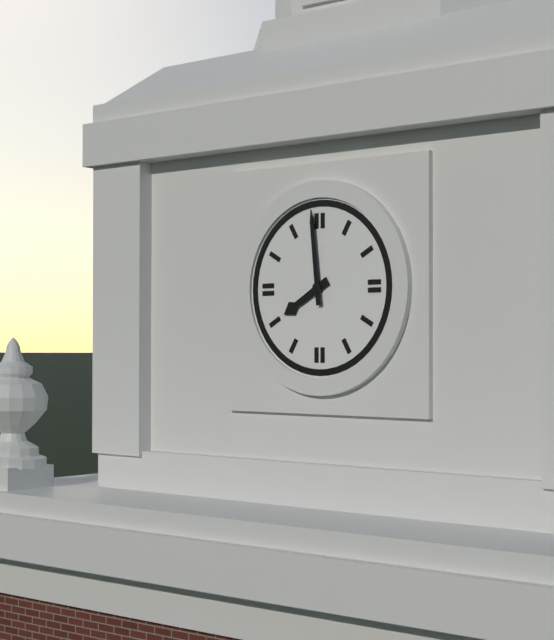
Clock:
{"hour": 7, "minute": 59}
